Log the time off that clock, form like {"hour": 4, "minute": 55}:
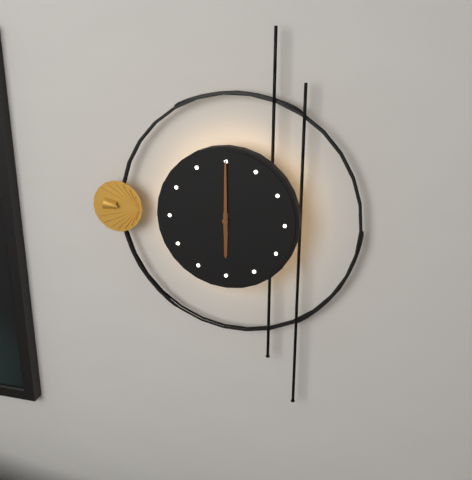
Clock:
{"hour": 6, "minute": 0}
